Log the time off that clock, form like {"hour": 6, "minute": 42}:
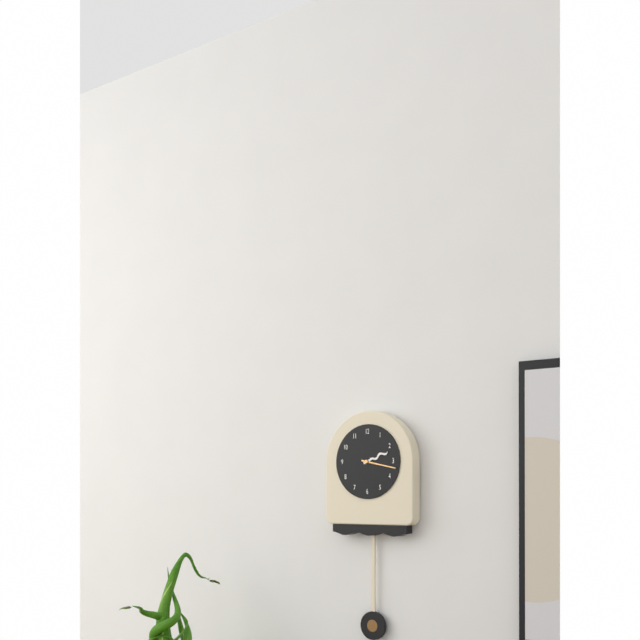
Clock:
{"hour": 2, "minute": 17}
